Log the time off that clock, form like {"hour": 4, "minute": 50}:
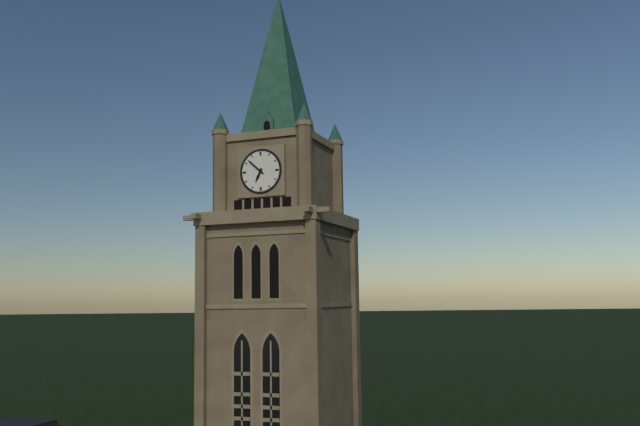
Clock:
{"hour": 6, "minute": 52}
